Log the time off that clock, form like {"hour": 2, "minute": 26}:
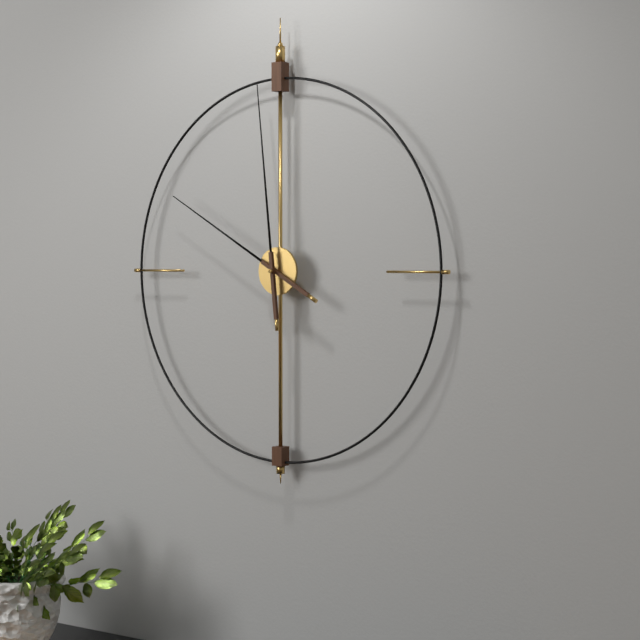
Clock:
{"hour": 9, "minute": 59}
